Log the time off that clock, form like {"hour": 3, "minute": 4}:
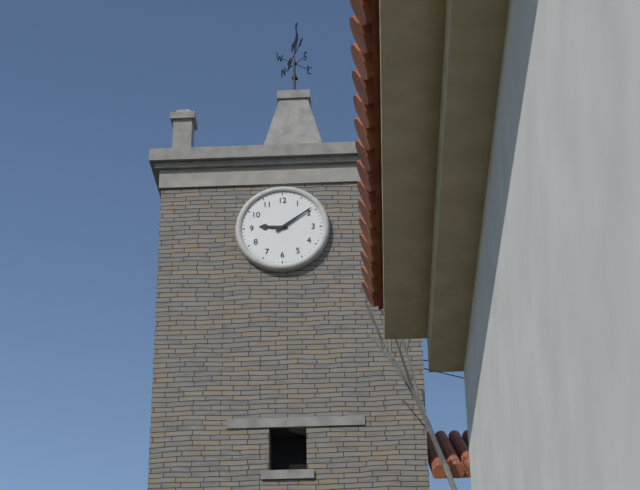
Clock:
{"hour": 9, "minute": 9}
